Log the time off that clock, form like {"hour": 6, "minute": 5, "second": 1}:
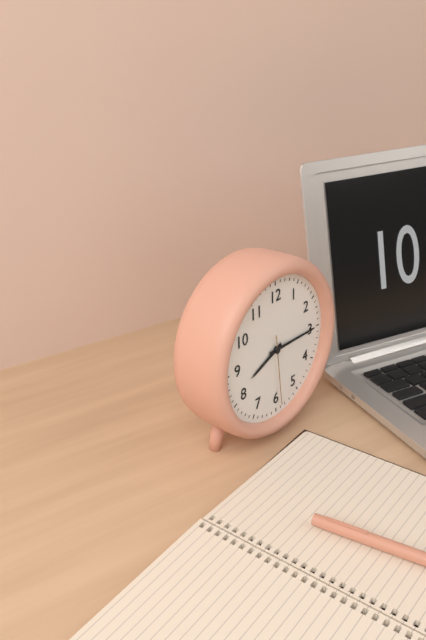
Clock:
{"hour": 8, "minute": 15, "second": 29}
